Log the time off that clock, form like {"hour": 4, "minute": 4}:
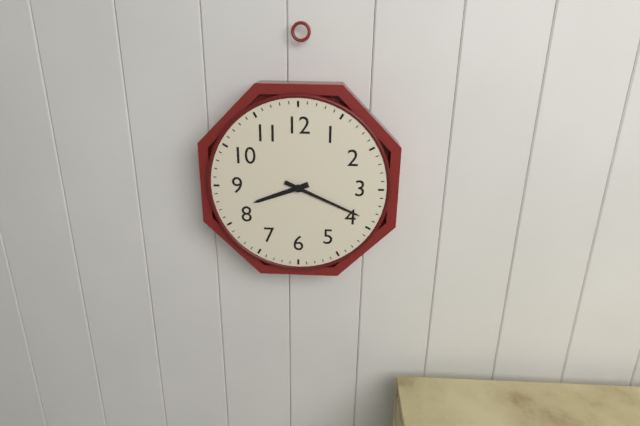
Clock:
{"hour": 8, "minute": 19}
